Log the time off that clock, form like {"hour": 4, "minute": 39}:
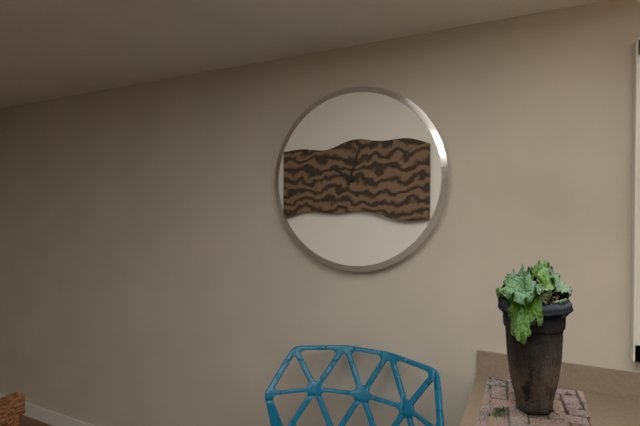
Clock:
{"hour": 10, "minute": 3}
